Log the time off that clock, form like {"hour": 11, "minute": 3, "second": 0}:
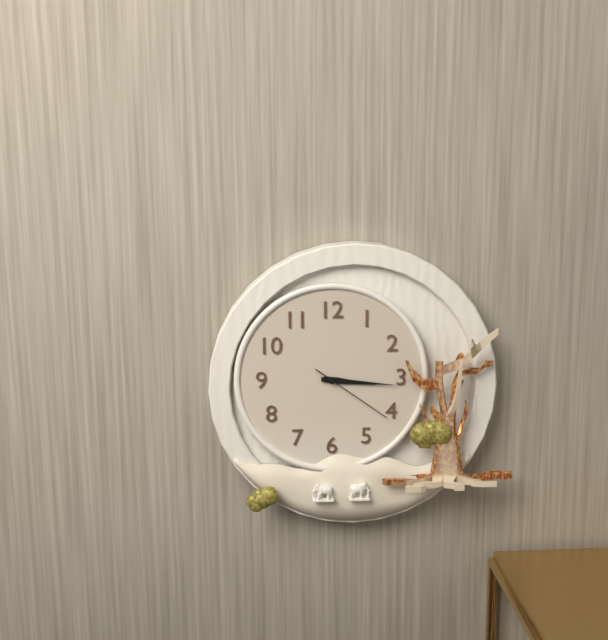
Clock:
{"hour": 3, "minute": 16, "second": 21}
